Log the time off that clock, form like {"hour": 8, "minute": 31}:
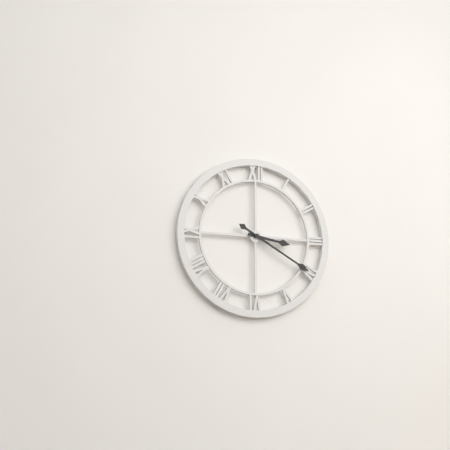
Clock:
{"hour": 3, "minute": 20}
